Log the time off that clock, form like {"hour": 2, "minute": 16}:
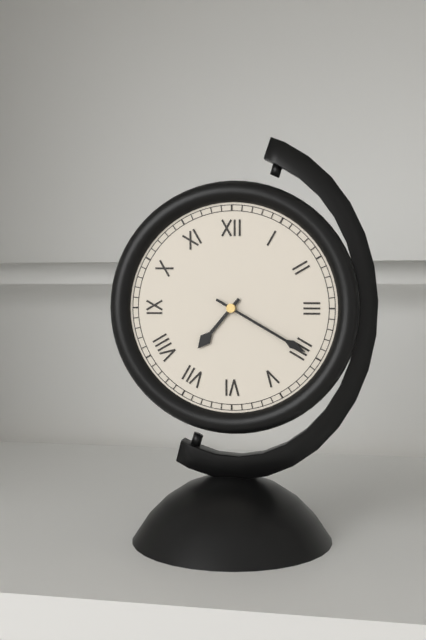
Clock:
{"hour": 7, "minute": 20}
